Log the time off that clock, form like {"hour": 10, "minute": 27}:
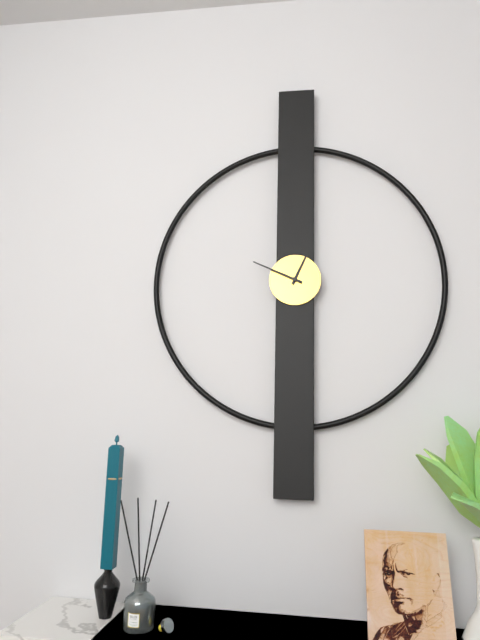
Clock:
{"hour": 12, "minute": 49}
